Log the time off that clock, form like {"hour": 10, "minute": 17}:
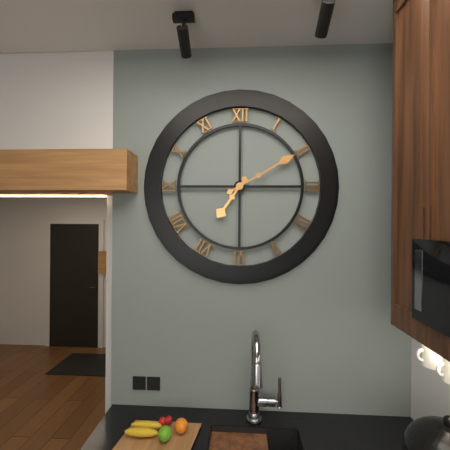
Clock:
{"hour": 7, "minute": 10}
